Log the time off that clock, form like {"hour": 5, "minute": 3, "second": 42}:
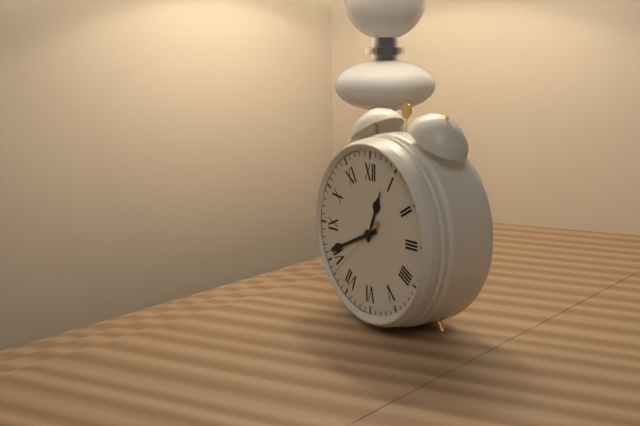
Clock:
{"hour": 12, "minute": 41, "second": 38}
